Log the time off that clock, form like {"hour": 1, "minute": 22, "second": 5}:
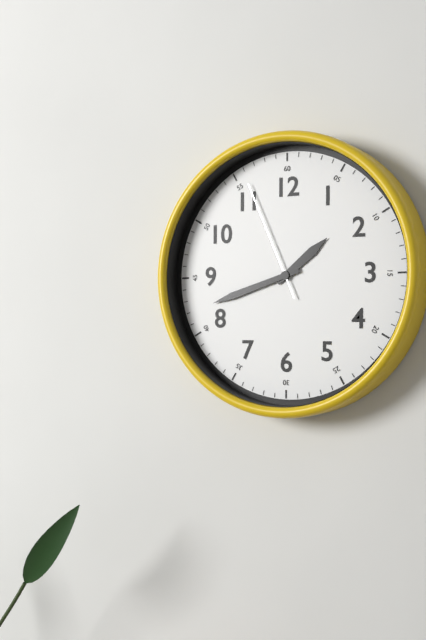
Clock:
{"hour": 1, "minute": 42, "second": 56}
